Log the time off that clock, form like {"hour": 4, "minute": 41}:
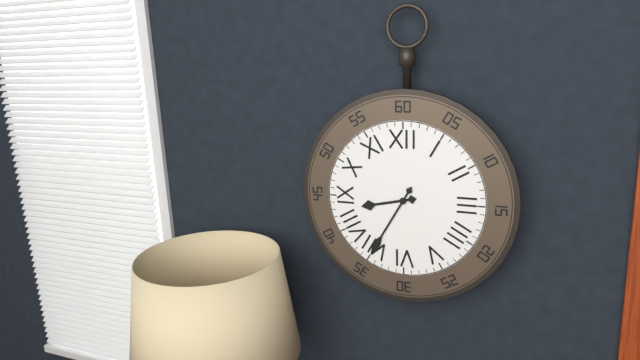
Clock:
{"hour": 8, "minute": 35}
